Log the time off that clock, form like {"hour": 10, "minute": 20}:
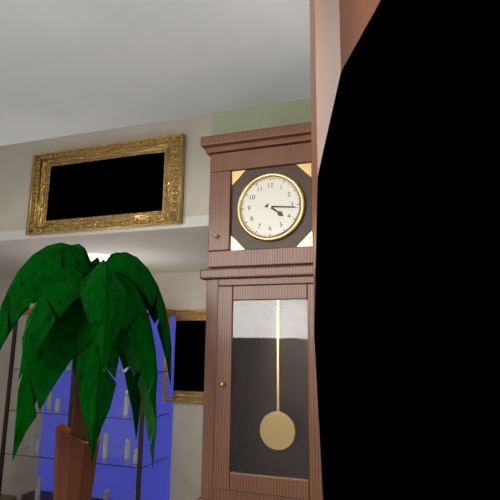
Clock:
{"hour": 4, "minute": 16}
